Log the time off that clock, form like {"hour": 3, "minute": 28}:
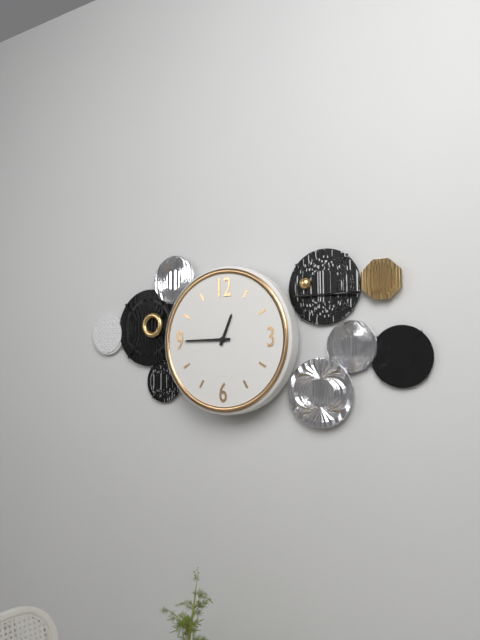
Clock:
{"hour": 12, "minute": 45}
